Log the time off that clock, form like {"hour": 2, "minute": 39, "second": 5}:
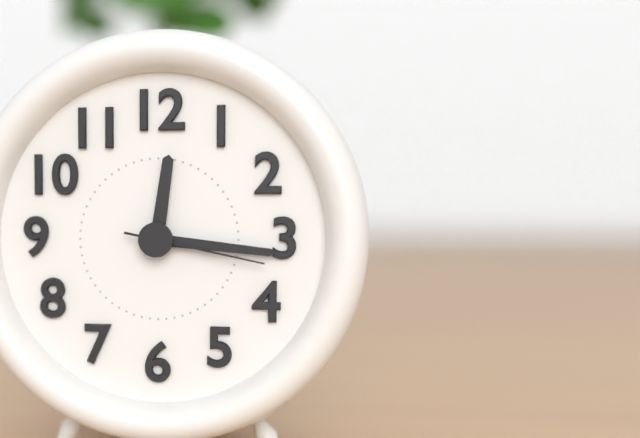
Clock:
{"hour": 12, "minute": 16, "second": 17}
